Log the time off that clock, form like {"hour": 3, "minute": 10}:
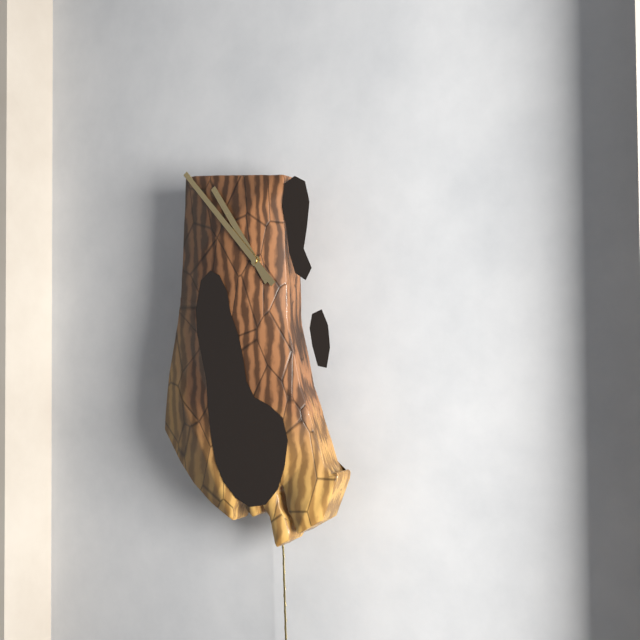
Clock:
{"hour": 10, "minute": 53}
